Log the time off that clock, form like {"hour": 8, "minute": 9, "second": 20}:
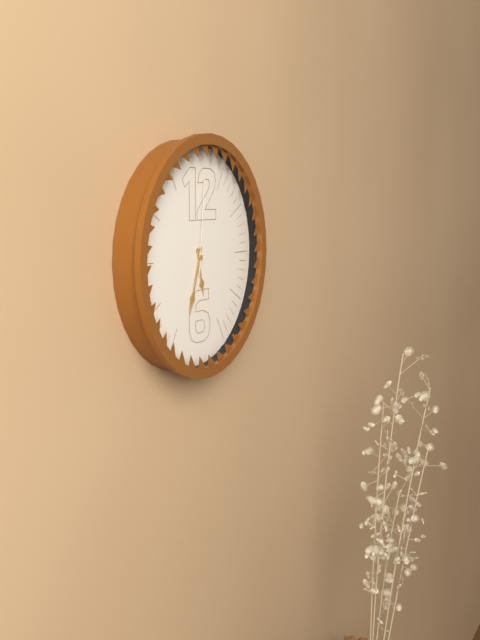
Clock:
{"hour": 5, "minute": 33, "second": 1}
